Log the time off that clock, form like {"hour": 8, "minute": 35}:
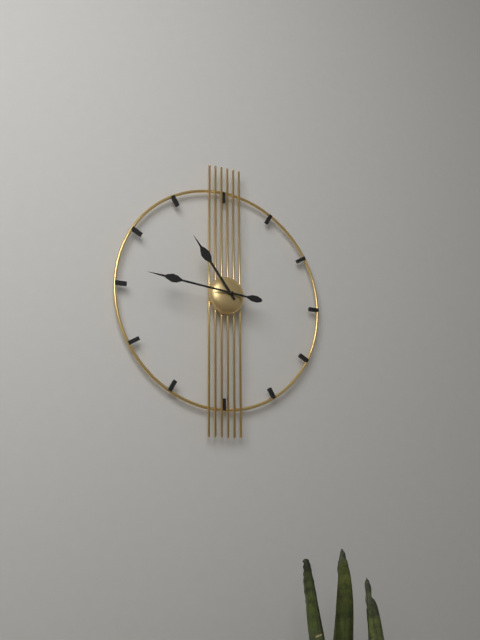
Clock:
{"hour": 10, "minute": 46}
